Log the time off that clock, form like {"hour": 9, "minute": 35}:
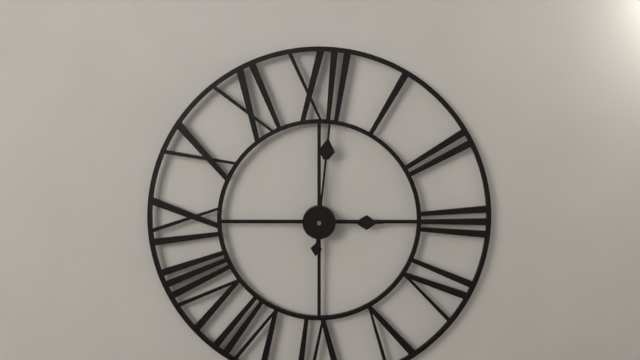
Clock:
{"hour": 3, "minute": 1}
